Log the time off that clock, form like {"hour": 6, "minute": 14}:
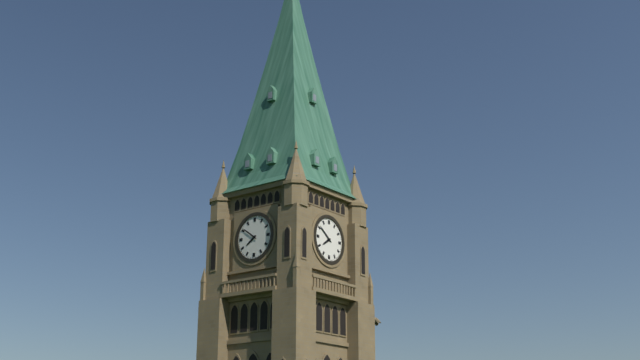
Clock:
{"hour": 7, "minute": 51}
